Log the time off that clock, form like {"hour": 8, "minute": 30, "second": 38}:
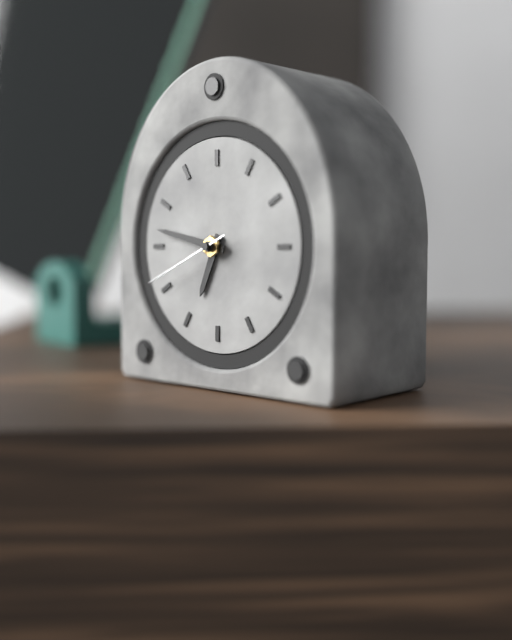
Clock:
{"hour": 6, "minute": 47, "second": 41}
